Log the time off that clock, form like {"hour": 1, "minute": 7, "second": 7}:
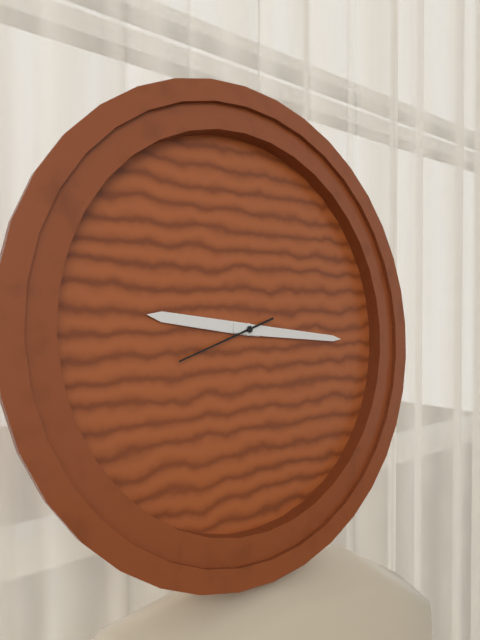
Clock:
{"hour": 9, "minute": 16, "second": 42}
